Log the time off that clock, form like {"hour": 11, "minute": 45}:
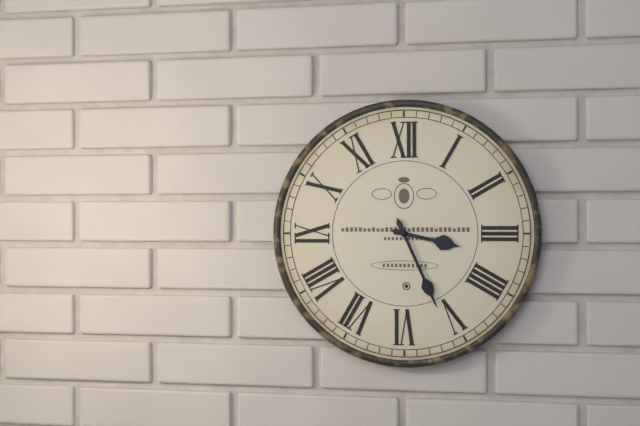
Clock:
{"hour": 3, "minute": 26}
